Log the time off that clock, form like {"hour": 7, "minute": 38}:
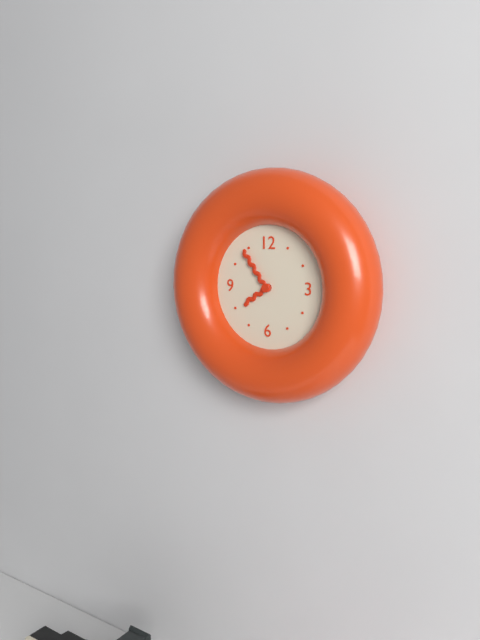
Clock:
{"hour": 7, "minute": 54}
